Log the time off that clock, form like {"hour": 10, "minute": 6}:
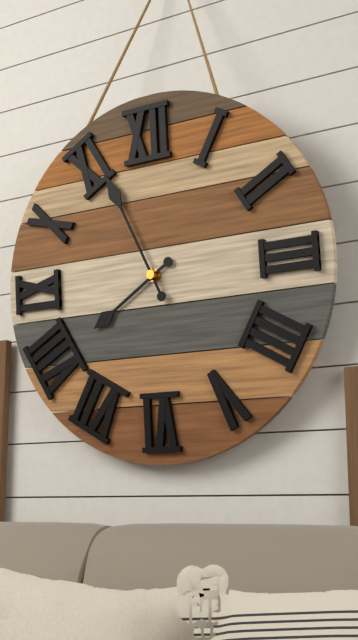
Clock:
{"hour": 7, "minute": 56}
